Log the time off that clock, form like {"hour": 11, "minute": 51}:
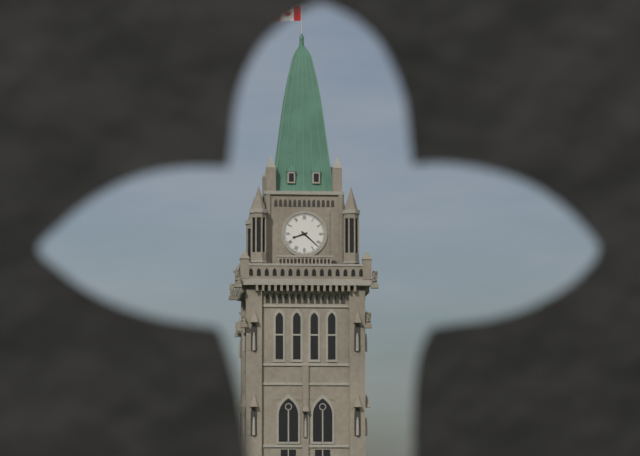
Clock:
{"hour": 8, "minute": 22}
